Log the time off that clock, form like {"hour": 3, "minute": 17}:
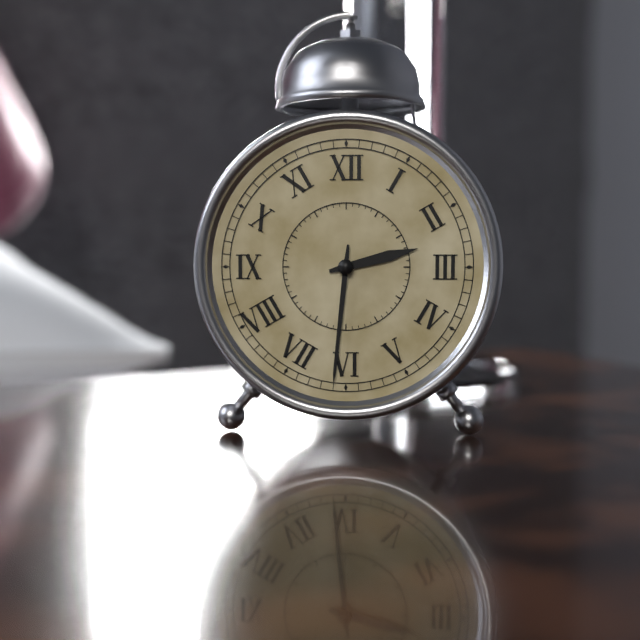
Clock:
{"hour": 2, "minute": 31}
